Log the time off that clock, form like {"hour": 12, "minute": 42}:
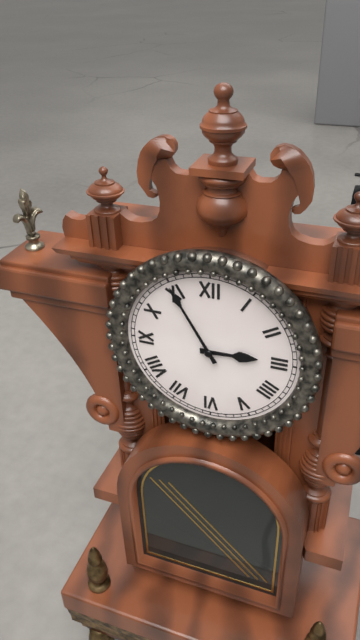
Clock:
{"hour": 2, "minute": 55}
